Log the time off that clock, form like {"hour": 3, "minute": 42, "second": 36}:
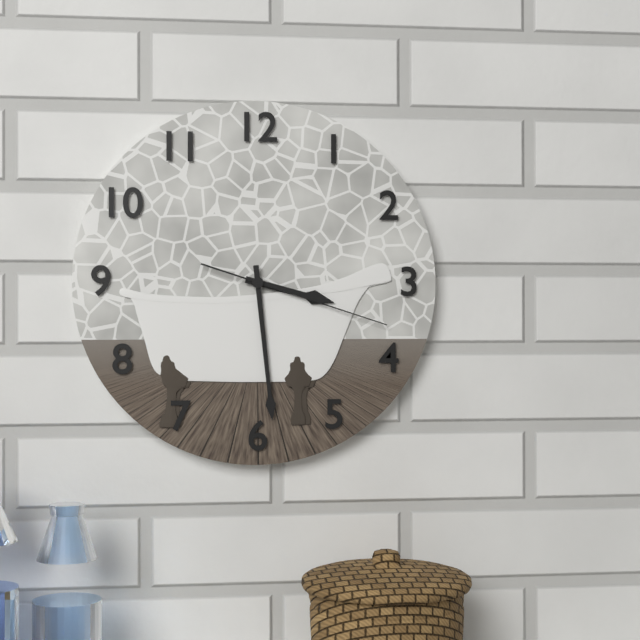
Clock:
{"hour": 3, "minute": 29, "second": 18}
